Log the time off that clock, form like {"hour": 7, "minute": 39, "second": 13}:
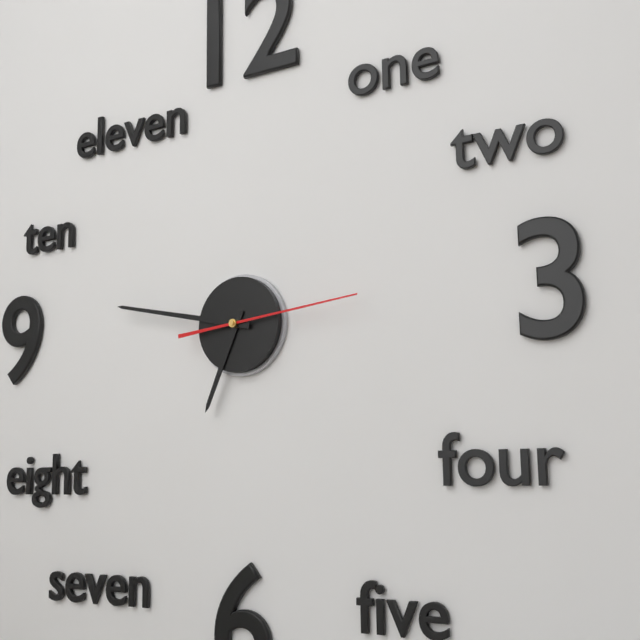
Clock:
{"hour": 6, "minute": 47, "second": 14}
